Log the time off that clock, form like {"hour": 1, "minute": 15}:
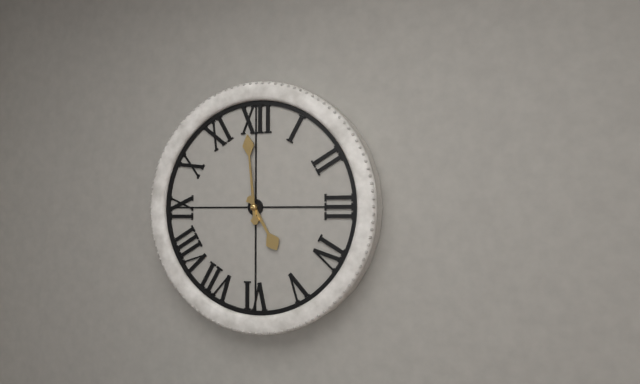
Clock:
{"hour": 4, "minute": 59}
